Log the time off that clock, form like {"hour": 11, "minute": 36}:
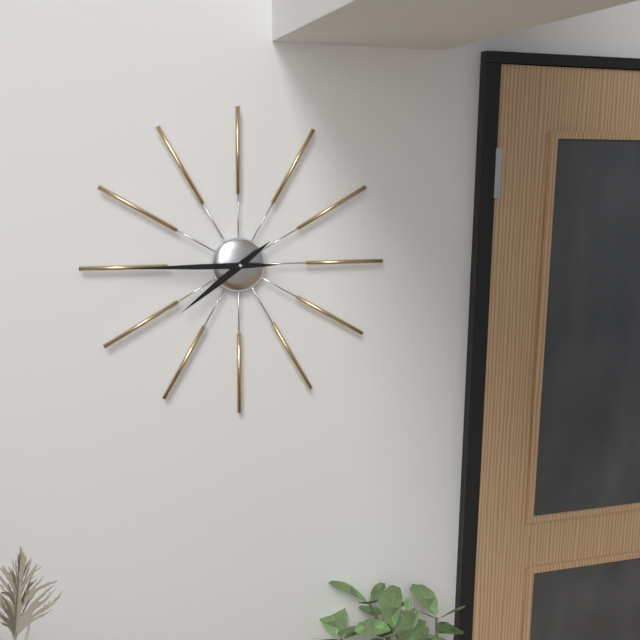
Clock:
{"hour": 7, "minute": 45}
